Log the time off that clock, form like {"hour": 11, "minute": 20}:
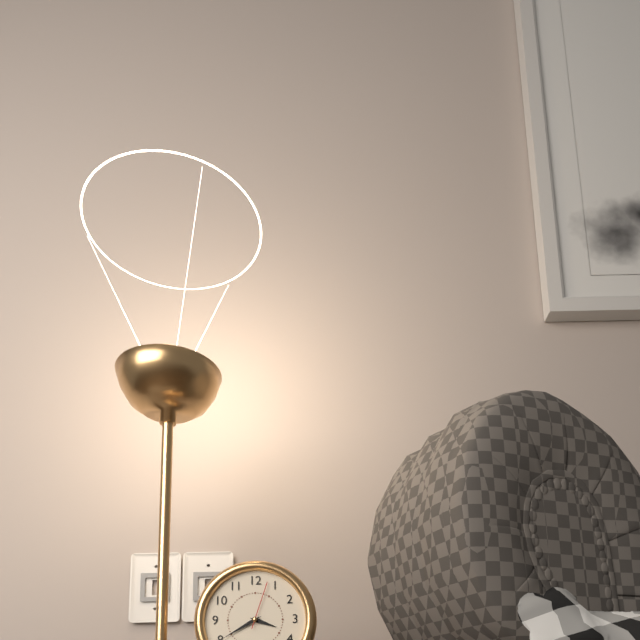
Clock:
{"hour": 3, "minute": 40}
